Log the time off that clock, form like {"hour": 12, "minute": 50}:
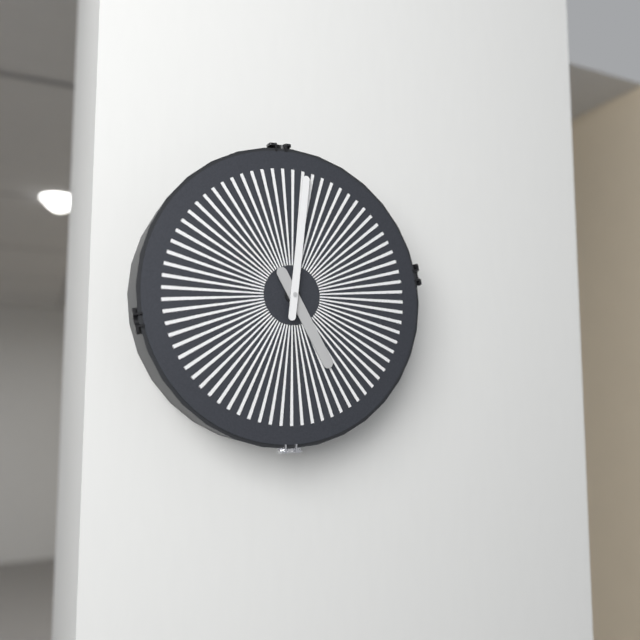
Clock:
{"hour": 5, "minute": 1}
